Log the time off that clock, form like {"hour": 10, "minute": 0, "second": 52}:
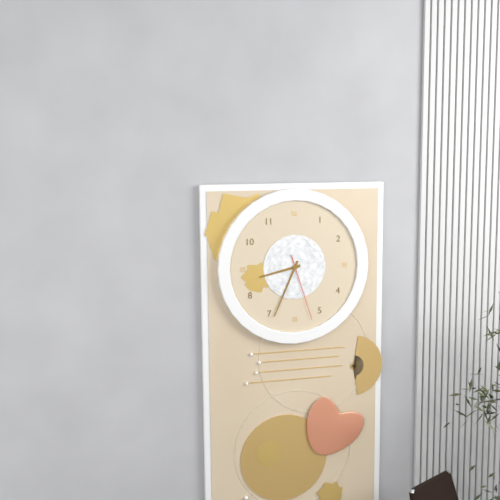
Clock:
{"hour": 8, "minute": 34, "second": 27}
